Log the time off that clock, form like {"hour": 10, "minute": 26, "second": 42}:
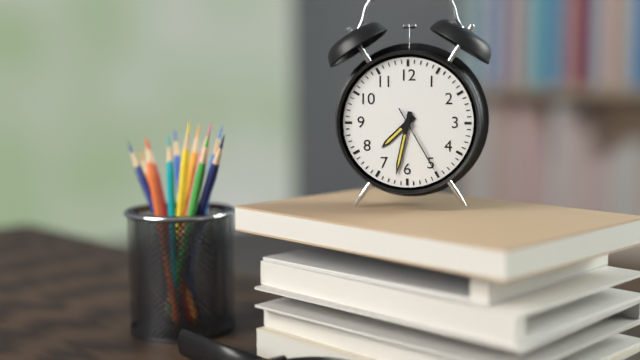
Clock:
{"hour": 7, "minute": 32, "second": 25}
